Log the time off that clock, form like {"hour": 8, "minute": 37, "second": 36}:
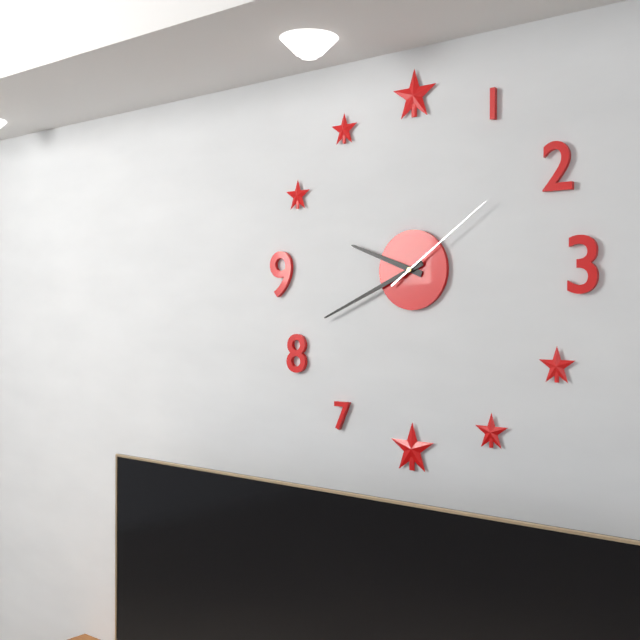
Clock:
{"hour": 9, "minute": 41, "second": 9}
